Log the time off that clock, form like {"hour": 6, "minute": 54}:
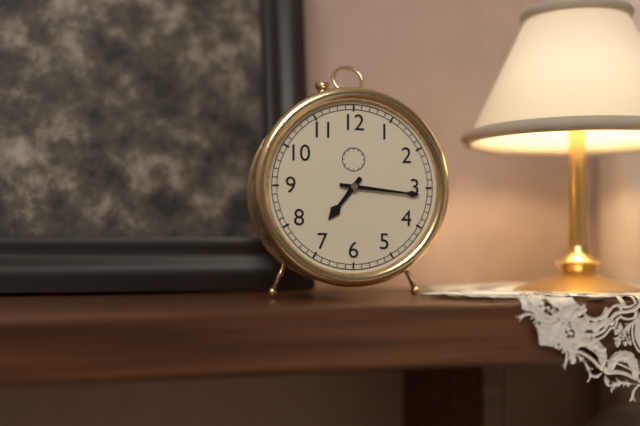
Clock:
{"hour": 7, "minute": 16}
